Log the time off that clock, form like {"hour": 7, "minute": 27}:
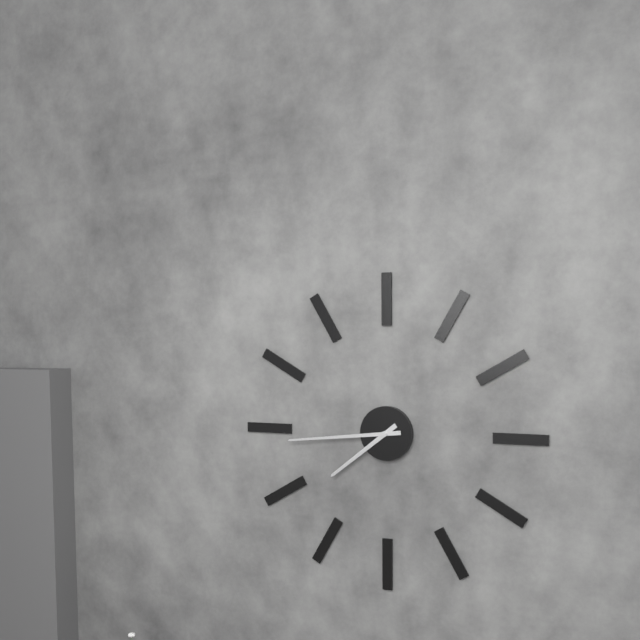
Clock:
{"hour": 7, "minute": 44}
